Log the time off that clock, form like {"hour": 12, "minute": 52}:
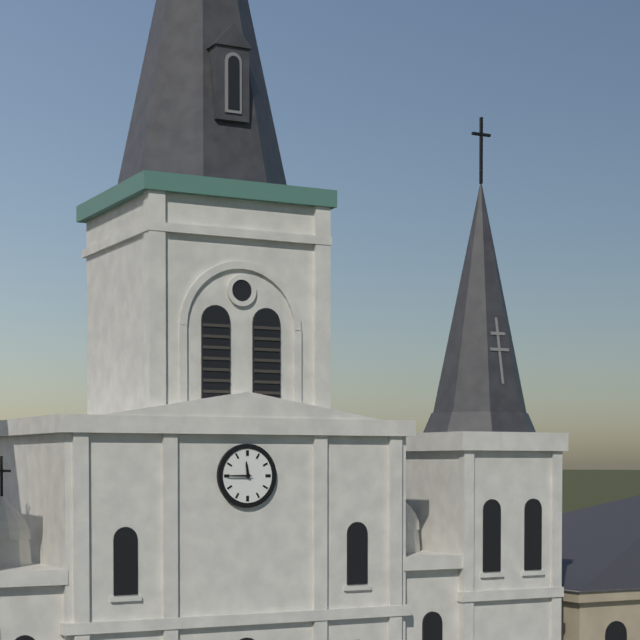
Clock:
{"hour": 11, "minute": 45}
